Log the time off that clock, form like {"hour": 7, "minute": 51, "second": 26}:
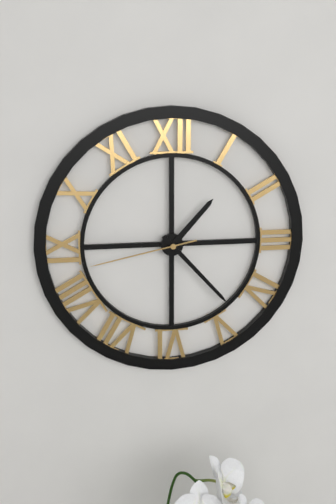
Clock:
{"hour": 1, "minute": 23, "second": 43}
